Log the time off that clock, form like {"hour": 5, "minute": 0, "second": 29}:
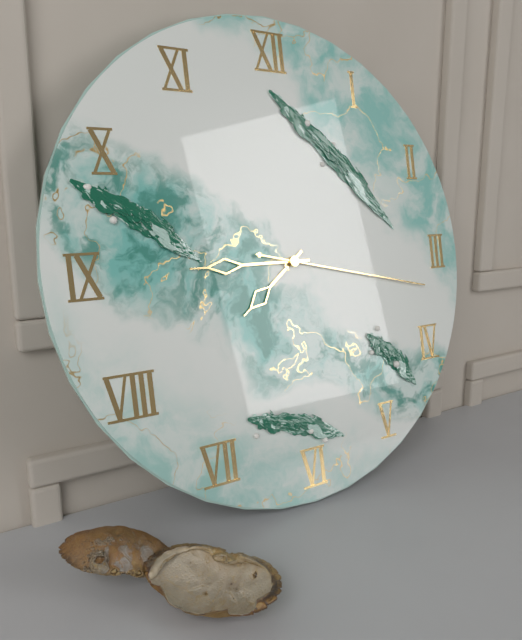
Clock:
{"hour": 7, "minute": 45, "second": 17}
